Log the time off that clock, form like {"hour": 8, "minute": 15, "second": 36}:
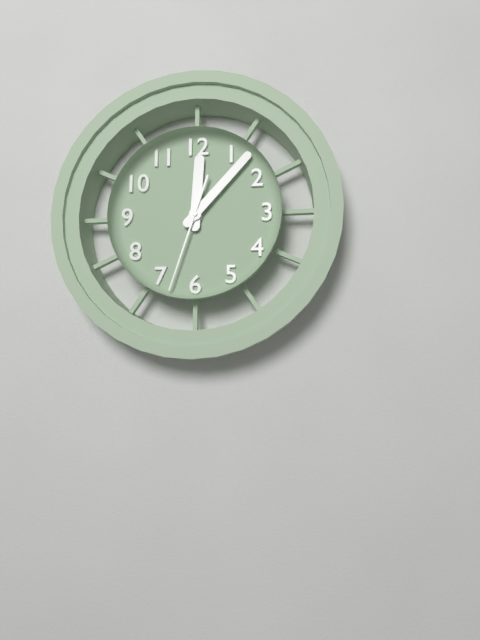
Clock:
{"hour": 12, "minute": 7, "second": 33}
